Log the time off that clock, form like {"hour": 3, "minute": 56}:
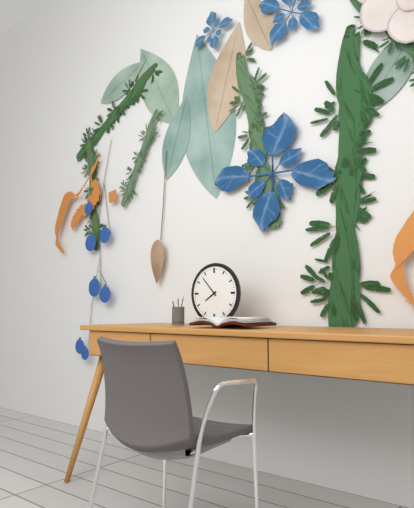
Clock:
{"hour": 7, "minute": 53}
